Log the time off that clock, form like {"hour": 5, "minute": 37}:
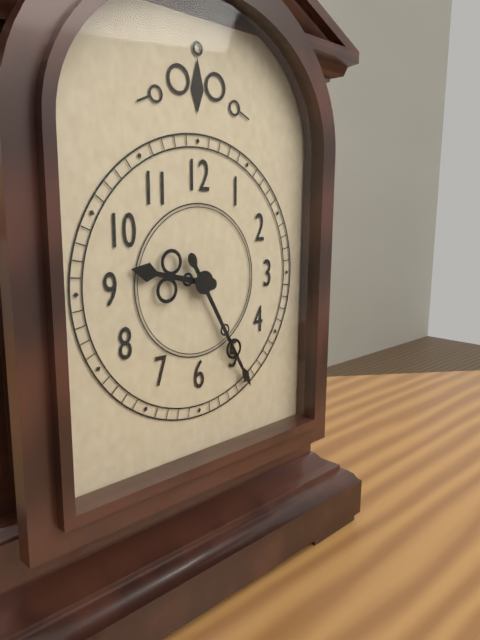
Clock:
{"hour": 9, "minute": 25}
